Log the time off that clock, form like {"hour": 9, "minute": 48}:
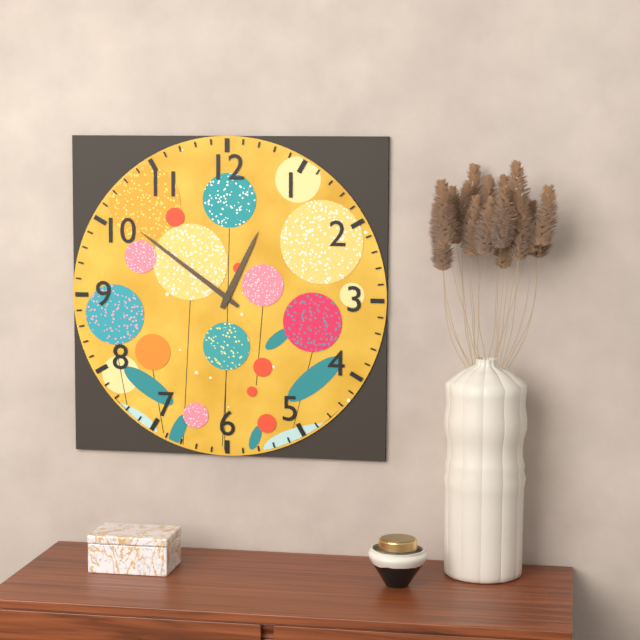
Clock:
{"hour": 12, "minute": 51}
